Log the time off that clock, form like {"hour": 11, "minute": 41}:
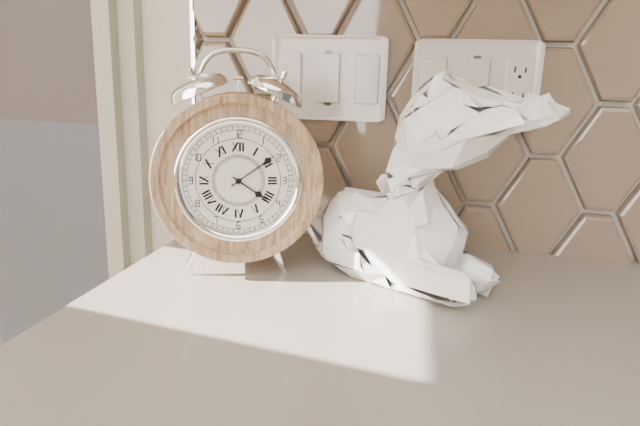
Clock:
{"hour": 4, "minute": 9}
